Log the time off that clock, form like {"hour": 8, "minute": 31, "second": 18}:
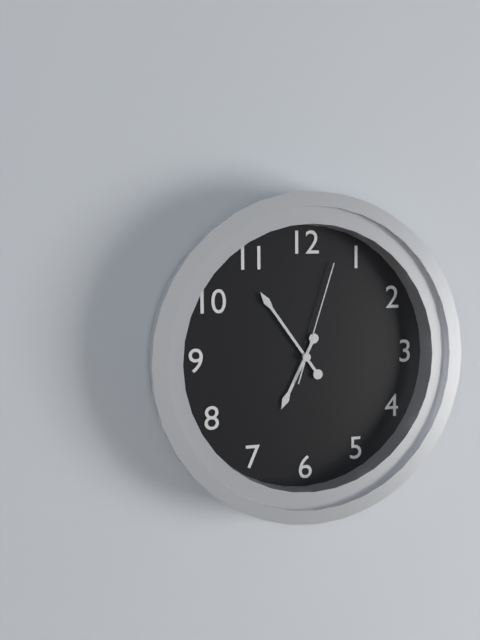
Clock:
{"hour": 6, "minute": 54, "second": 3}
